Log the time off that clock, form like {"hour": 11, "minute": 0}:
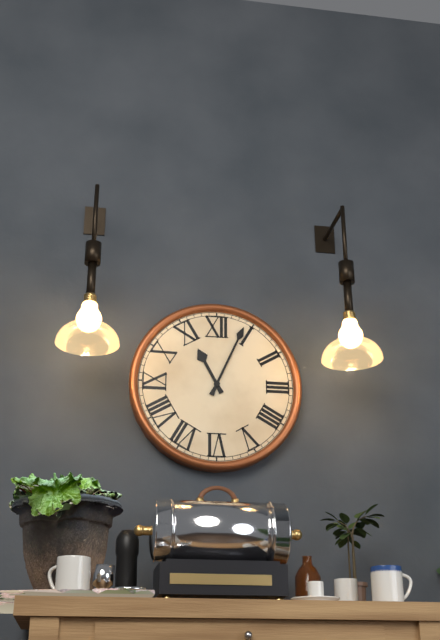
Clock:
{"hour": 11, "minute": 4}
